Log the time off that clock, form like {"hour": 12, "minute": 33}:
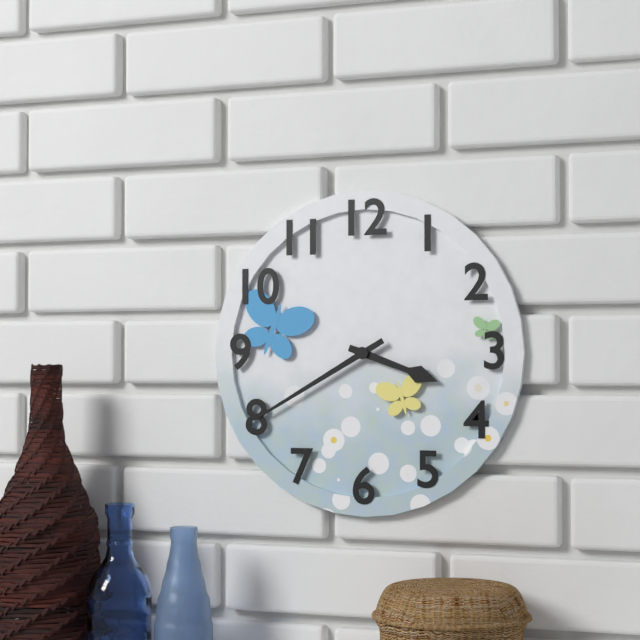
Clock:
{"hour": 3, "minute": 40}
